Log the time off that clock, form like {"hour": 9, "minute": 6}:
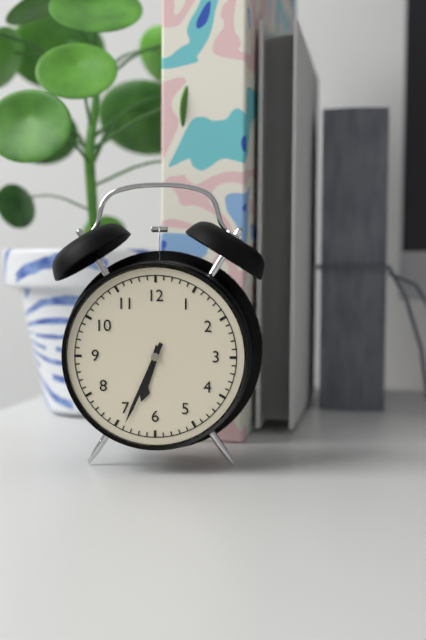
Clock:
{"hour": 6, "minute": 34}
